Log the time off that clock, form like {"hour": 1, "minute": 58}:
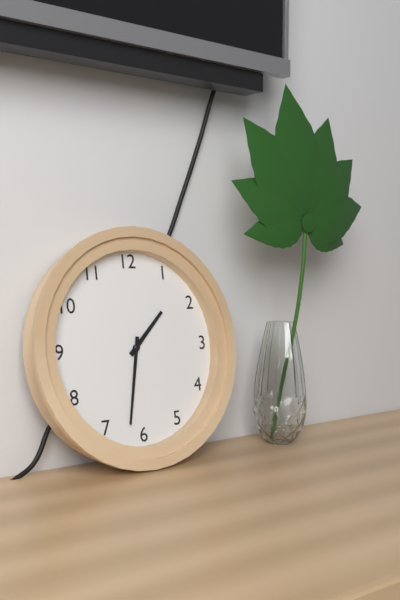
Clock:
{"hour": 1, "minute": 32}
